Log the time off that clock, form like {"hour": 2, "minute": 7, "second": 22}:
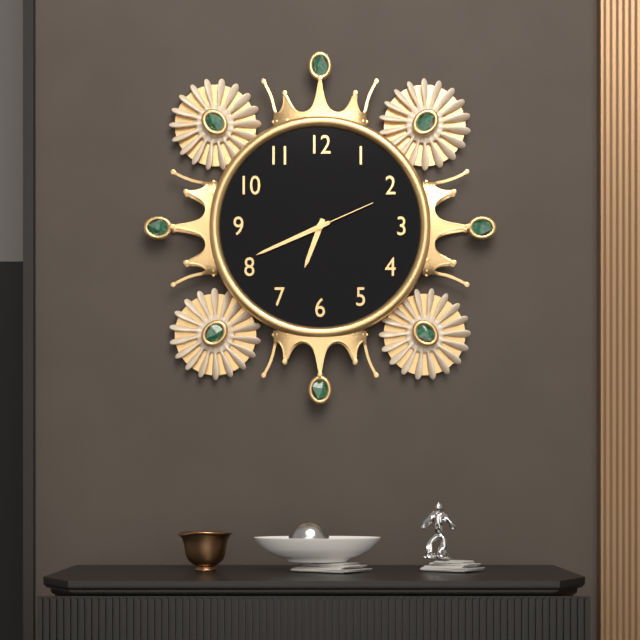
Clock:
{"hour": 6, "minute": 41, "second": 11}
